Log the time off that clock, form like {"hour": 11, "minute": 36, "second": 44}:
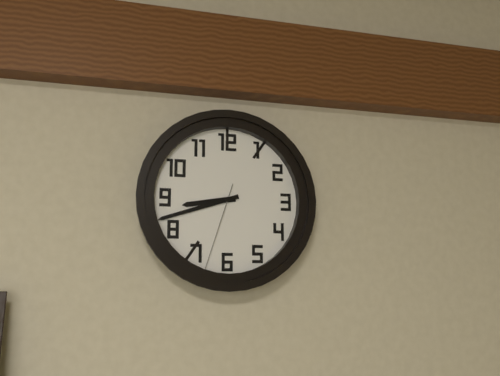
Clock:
{"hour": 8, "minute": 42, "second": 33}
